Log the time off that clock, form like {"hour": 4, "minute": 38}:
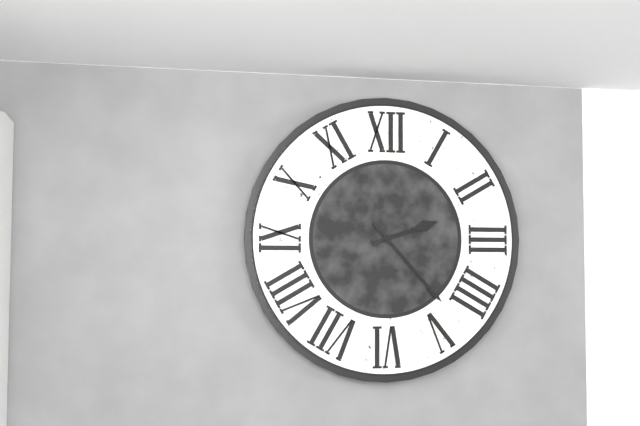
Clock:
{"hour": 2, "minute": 23}
